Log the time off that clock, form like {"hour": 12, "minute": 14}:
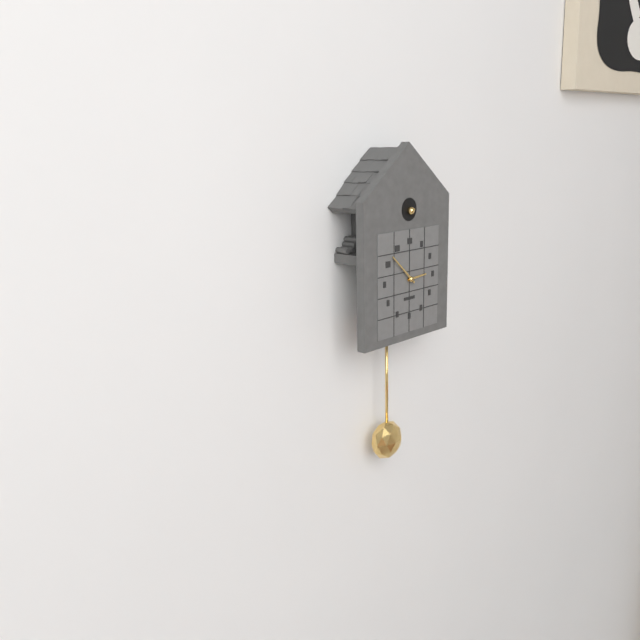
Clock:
{"hour": 2, "minute": 52}
